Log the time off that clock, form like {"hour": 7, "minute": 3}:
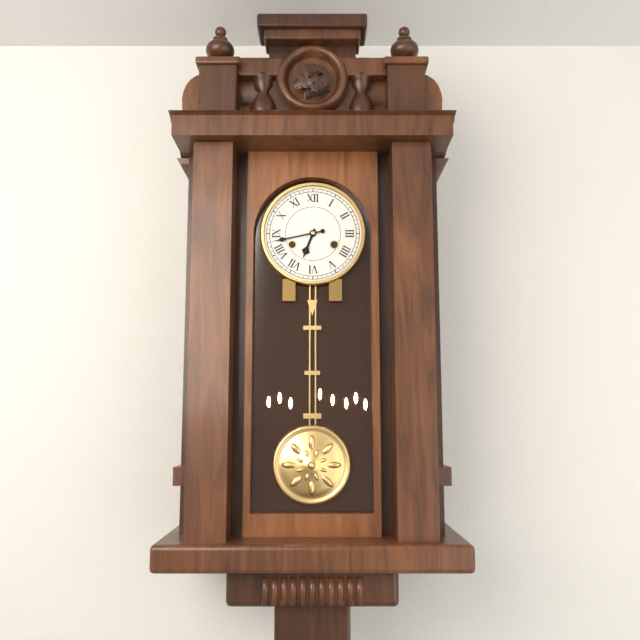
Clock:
{"hour": 6, "minute": 43}
